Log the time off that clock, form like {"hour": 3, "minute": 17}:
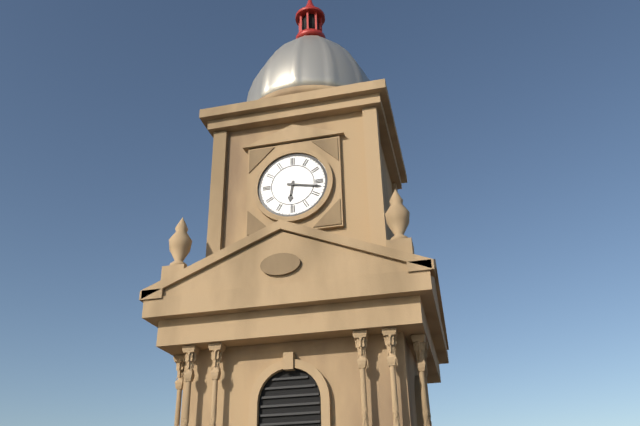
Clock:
{"hour": 6, "minute": 17}
